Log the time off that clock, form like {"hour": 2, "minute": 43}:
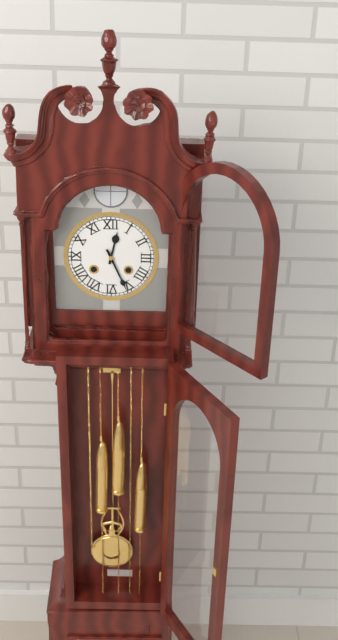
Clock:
{"hour": 12, "minute": 26}
